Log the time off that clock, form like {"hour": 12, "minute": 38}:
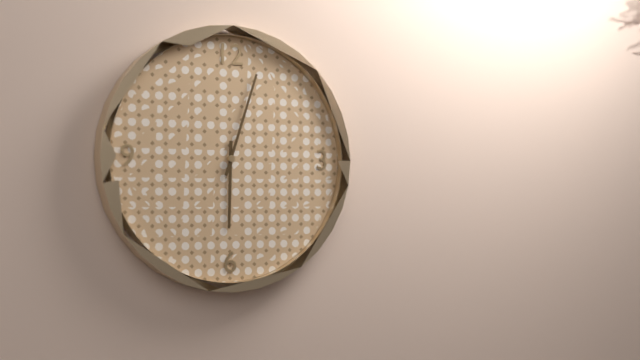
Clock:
{"hour": 6, "minute": 3}
